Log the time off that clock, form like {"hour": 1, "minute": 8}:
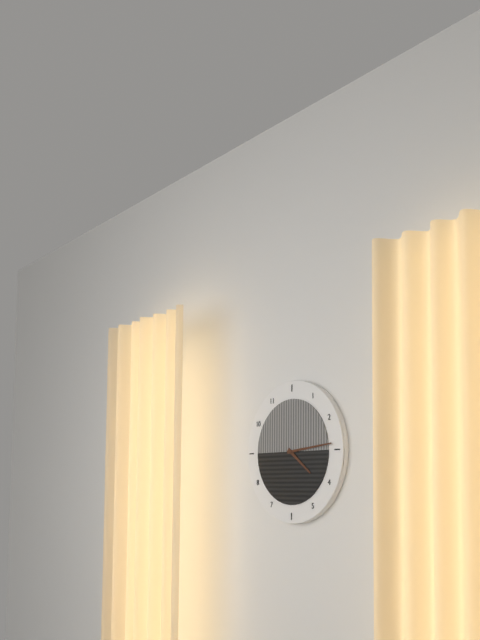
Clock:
{"hour": 4, "minute": 14}
